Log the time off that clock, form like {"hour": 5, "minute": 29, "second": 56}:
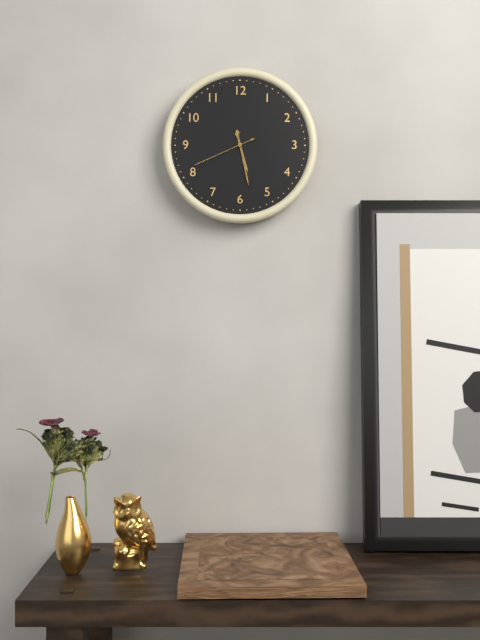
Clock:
{"hour": 5, "minute": 28, "second": 41}
